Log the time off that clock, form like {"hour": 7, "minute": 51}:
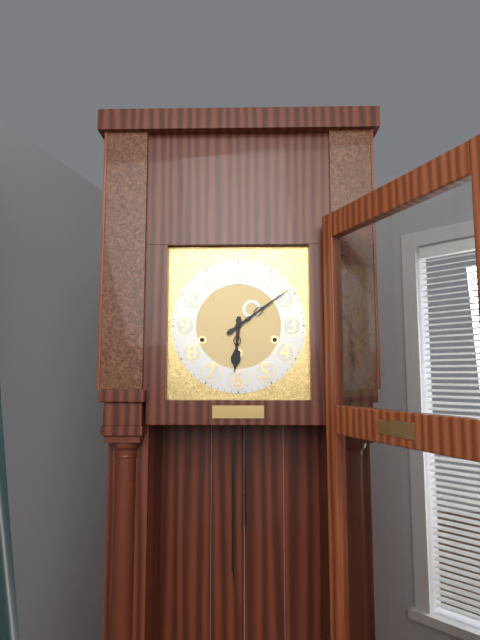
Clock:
{"hour": 6, "minute": 9}
